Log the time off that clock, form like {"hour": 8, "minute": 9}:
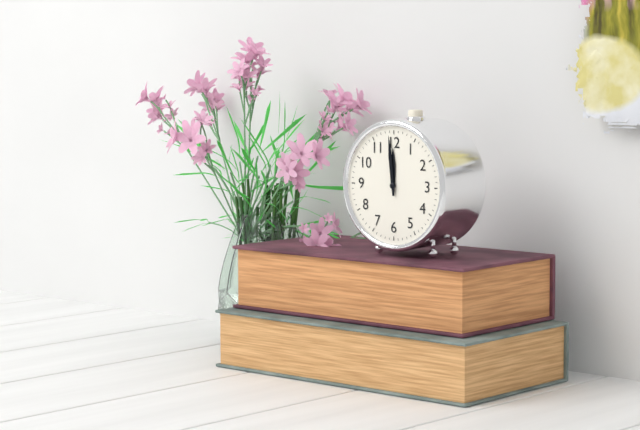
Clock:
{"hour": 11, "minute": 59}
